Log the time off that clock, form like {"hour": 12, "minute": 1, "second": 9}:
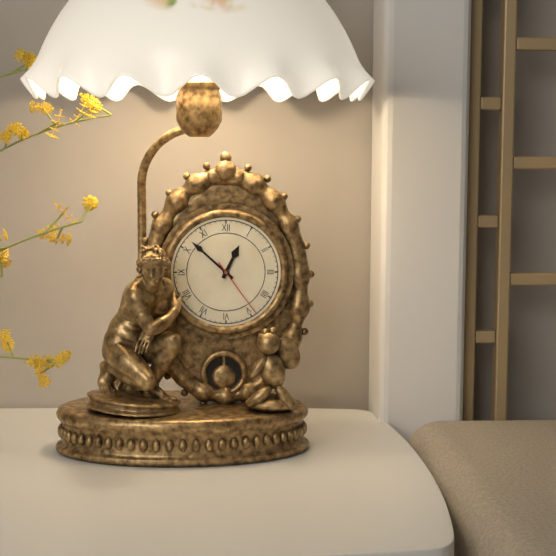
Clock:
{"hour": 12, "minute": 52, "second": 24}
